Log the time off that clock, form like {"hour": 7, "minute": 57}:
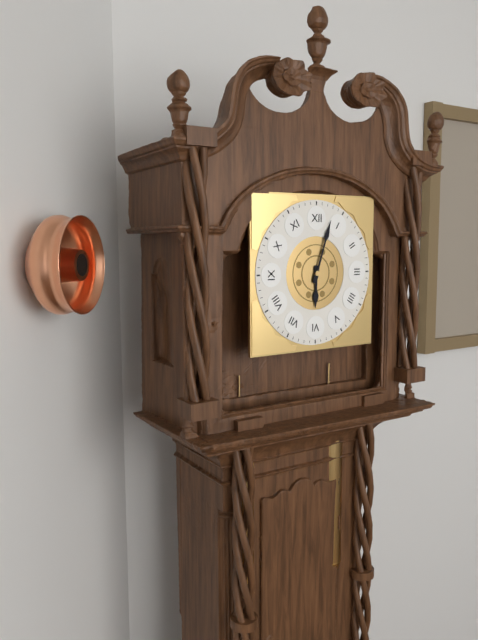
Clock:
{"hour": 6, "minute": 3}
